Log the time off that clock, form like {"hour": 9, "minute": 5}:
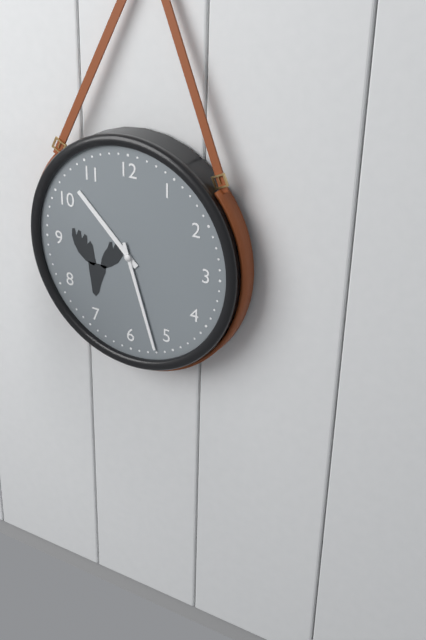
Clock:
{"hour": 10, "minute": 27}
